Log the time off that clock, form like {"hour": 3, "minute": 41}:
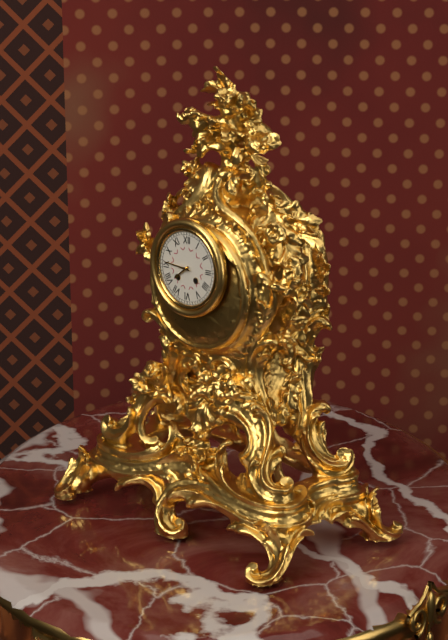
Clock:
{"hour": 7, "minute": 46}
